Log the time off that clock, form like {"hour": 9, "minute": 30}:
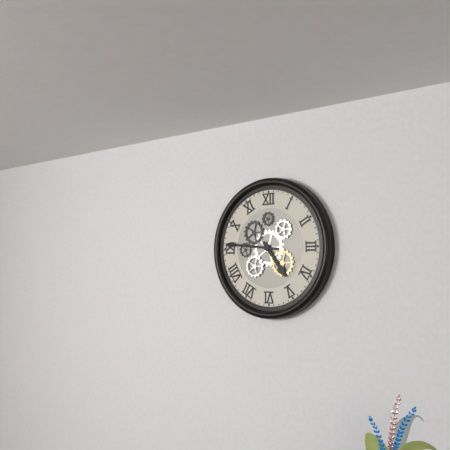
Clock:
{"hour": 4, "minute": 46}
